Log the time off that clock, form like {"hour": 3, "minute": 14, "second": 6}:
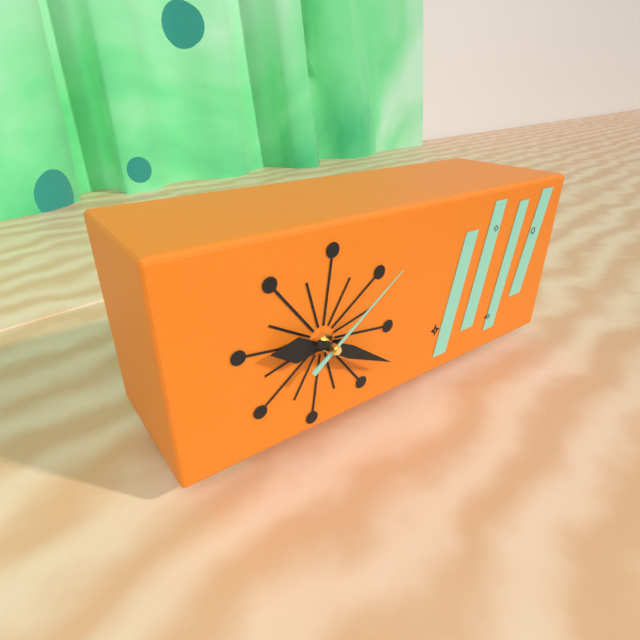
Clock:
{"hour": 9, "minute": 20, "second": 9}
